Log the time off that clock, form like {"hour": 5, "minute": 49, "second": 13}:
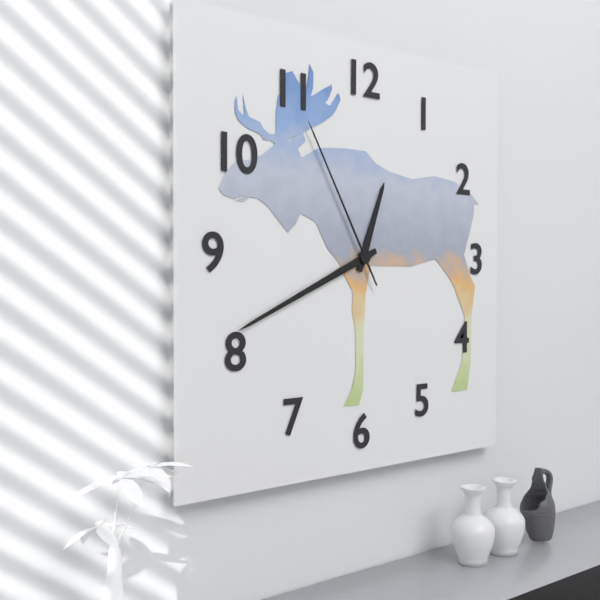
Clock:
{"hour": 12, "minute": 41, "second": 55}
